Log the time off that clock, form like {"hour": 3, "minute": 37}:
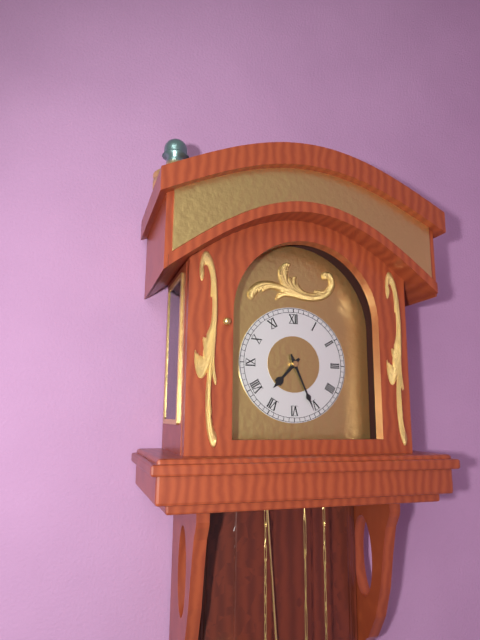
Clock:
{"hour": 7, "minute": 26}
